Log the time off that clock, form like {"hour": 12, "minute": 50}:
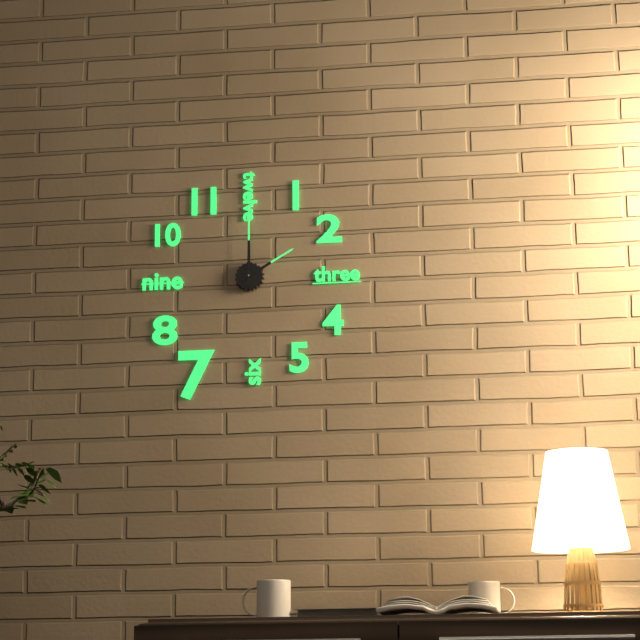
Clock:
{"hour": 2, "minute": 0}
